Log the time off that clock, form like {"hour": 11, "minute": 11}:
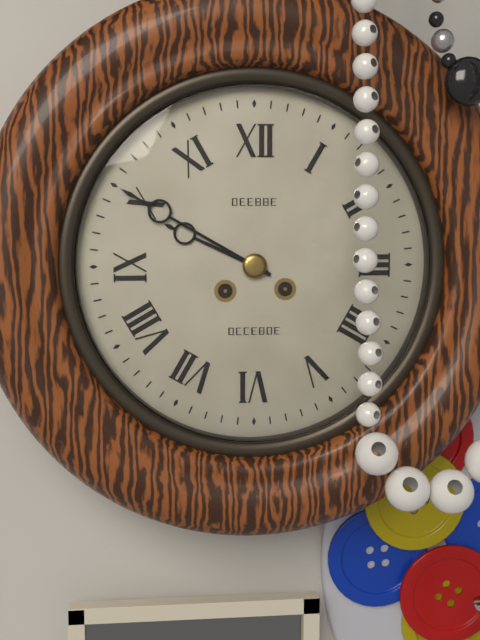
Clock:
{"hour": 9, "minute": 50}
